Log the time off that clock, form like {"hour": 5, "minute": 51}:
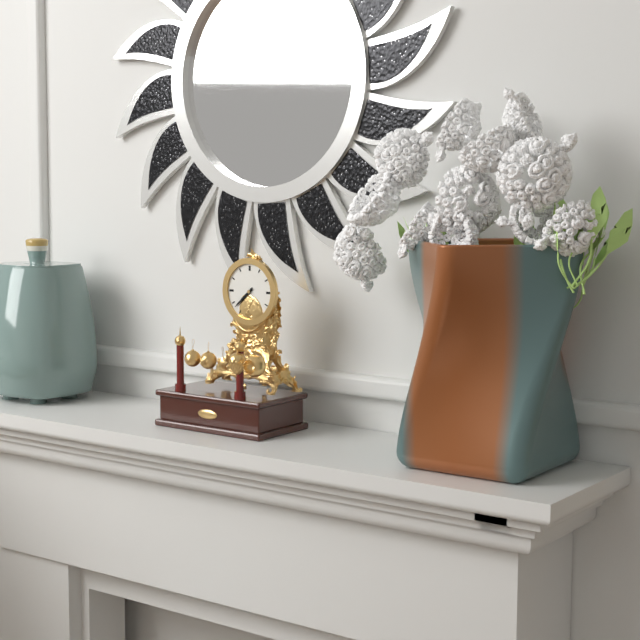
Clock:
{"hour": 7, "minute": 38}
